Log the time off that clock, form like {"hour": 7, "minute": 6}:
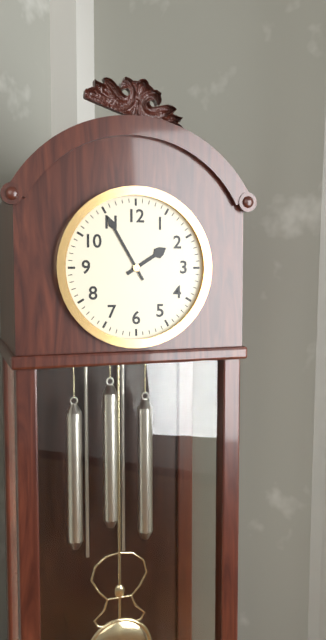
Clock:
{"hour": 1, "minute": 55}
